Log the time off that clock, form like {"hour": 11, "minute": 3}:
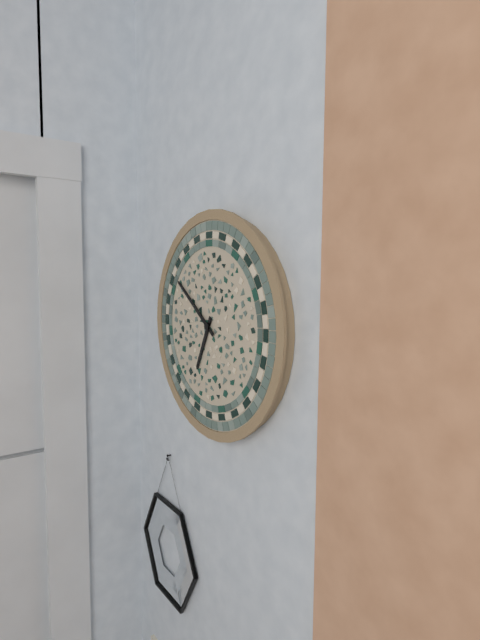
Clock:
{"hour": 6, "minute": 51}
